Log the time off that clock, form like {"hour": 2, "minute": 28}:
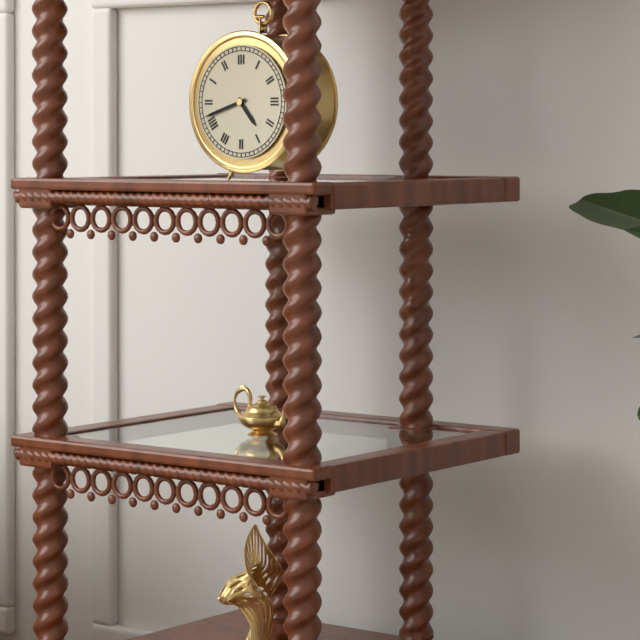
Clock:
{"hour": 4, "minute": 42}
